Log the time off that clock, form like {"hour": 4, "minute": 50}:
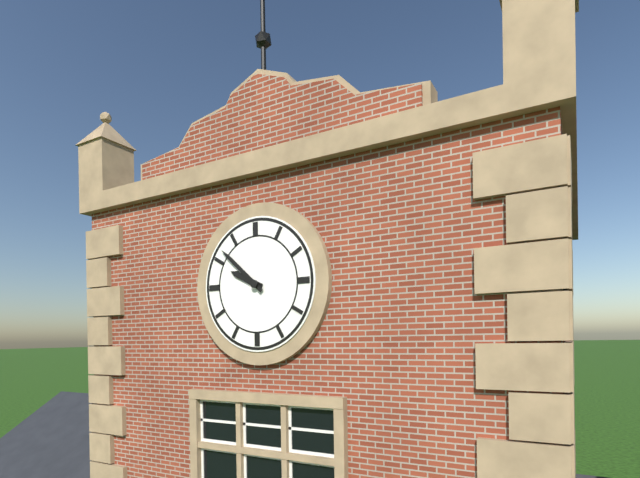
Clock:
{"hour": 9, "minute": 52}
